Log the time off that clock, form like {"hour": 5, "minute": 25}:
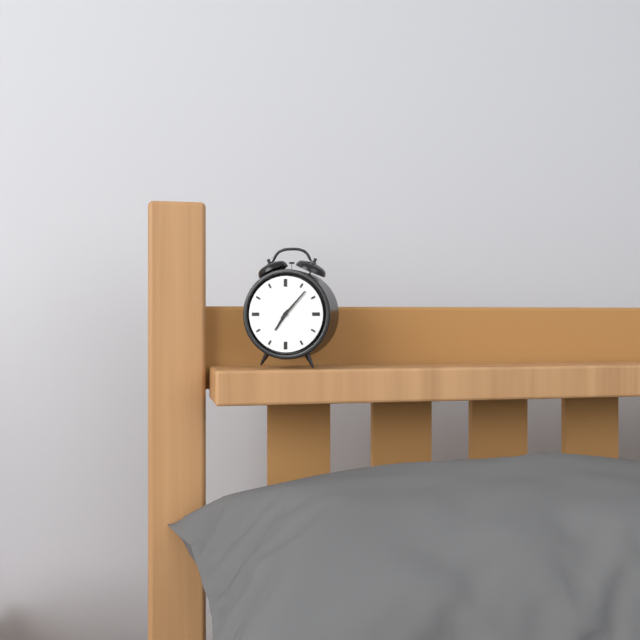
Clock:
{"hour": 7, "minute": 7}
